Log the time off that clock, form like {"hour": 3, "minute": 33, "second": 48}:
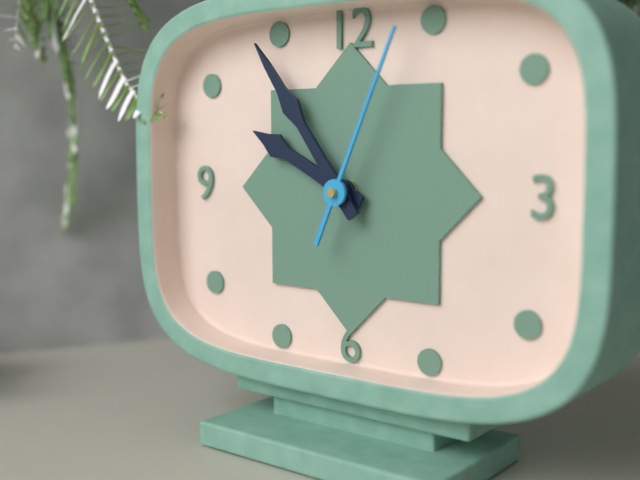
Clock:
{"hour": 9, "minute": 54, "second": 4}
